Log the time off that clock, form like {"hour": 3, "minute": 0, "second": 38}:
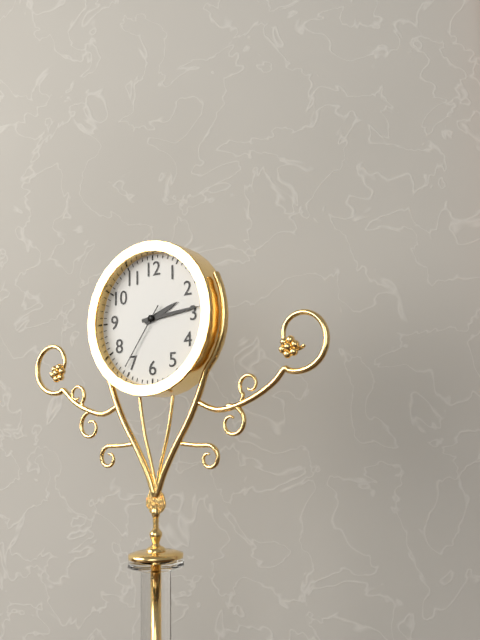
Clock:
{"hour": 2, "minute": 14, "second": 36}
